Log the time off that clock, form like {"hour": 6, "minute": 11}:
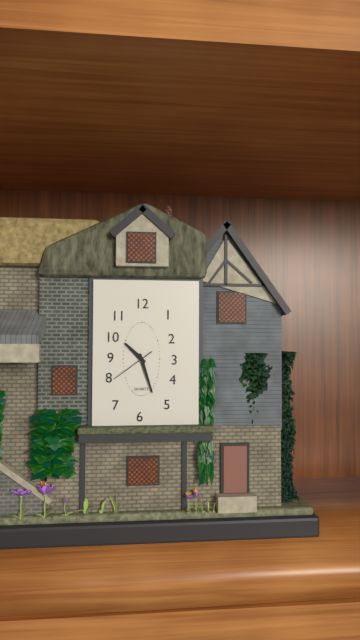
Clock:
{"hour": 10, "minute": 27}
